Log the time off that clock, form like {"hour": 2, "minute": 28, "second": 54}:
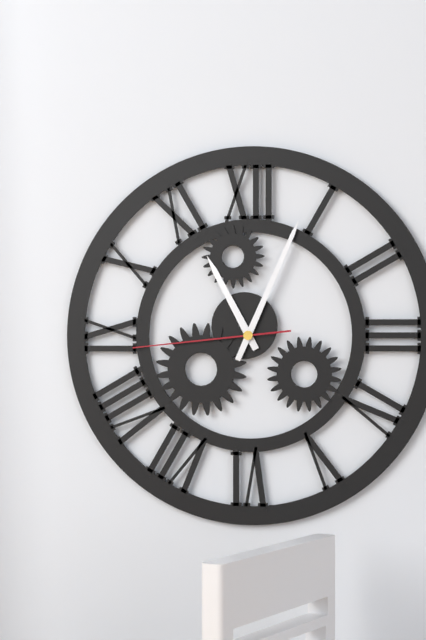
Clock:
{"hour": 11, "minute": 4, "second": 44}
